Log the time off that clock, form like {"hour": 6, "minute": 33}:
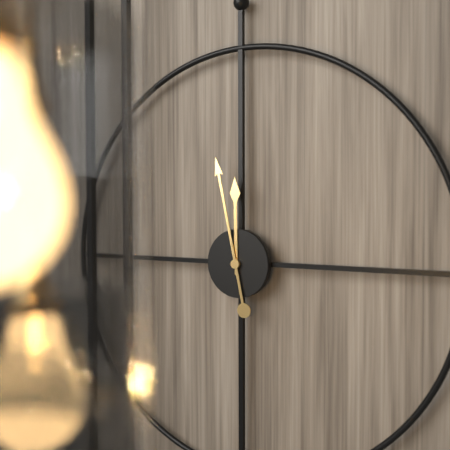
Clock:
{"hour": 11, "minute": 58}
